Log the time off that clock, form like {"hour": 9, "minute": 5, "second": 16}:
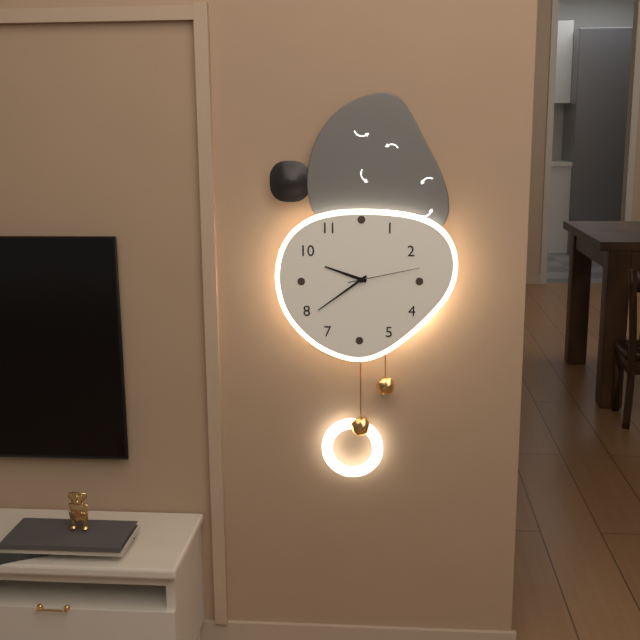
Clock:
{"hour": 9, "minute": 39, "second": 13}
